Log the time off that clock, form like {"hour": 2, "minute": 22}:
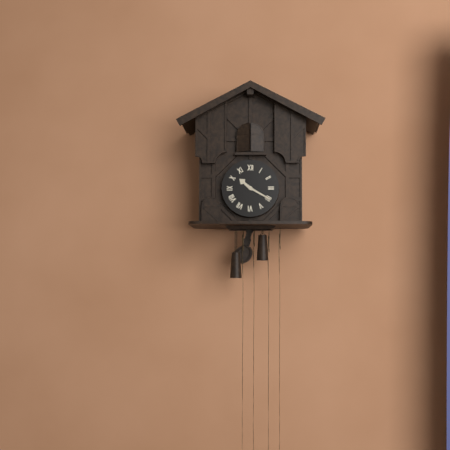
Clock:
{"hour": 10, "minute": 20}
